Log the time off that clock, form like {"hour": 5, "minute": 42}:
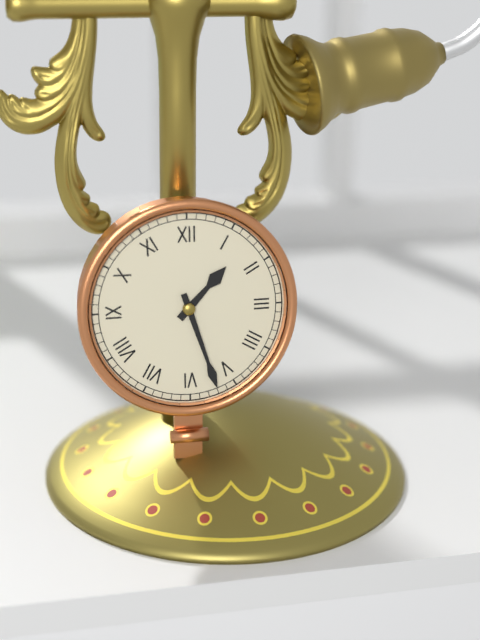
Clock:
{"hour": 1, "minute": 27}
